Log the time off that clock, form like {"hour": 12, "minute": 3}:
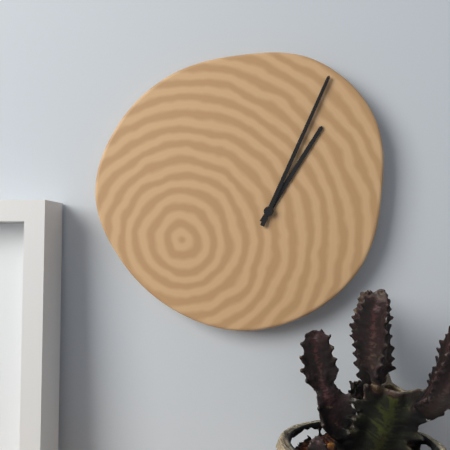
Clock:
{"hour": 1, "minute": 4}
